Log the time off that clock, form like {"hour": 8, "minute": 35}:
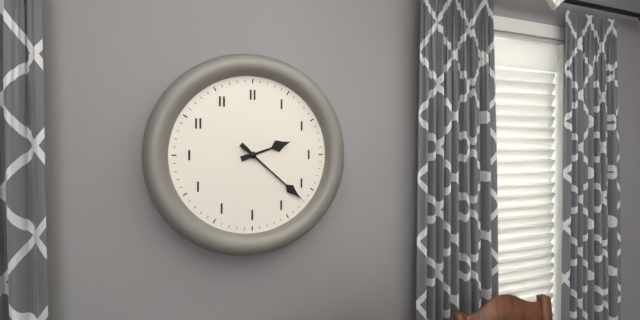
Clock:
{"hour": 2, "minute": 22}
